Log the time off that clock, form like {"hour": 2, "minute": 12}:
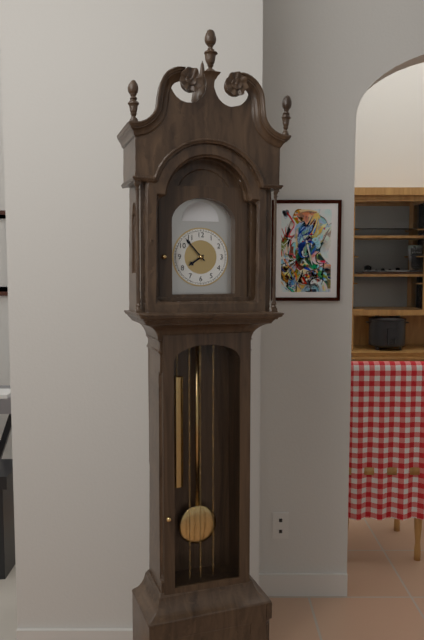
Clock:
{"hour": 7, "minute": 53}
